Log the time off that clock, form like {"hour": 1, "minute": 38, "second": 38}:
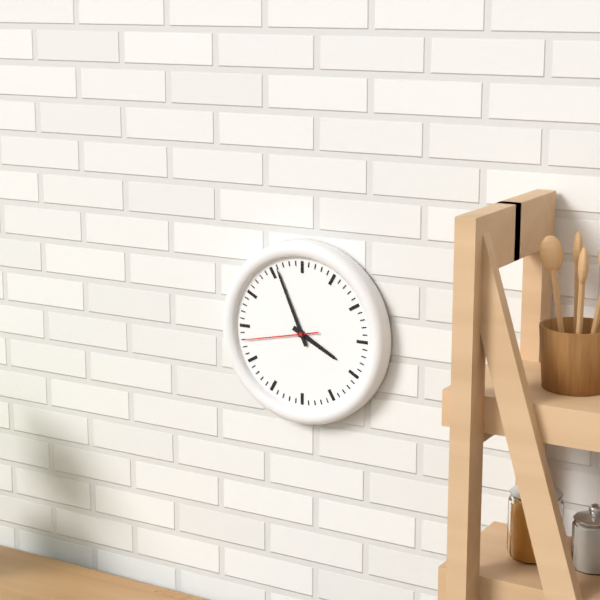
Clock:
{"hour": 3, "minute": 56, "second": 43}
